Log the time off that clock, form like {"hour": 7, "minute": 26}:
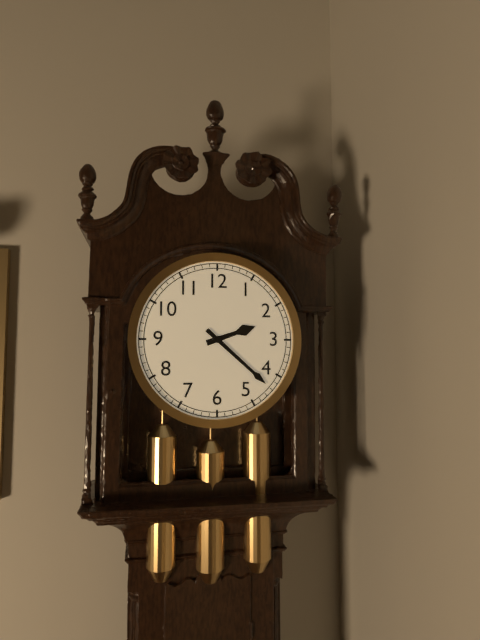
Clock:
{"hour": 2, "minute": 22}
